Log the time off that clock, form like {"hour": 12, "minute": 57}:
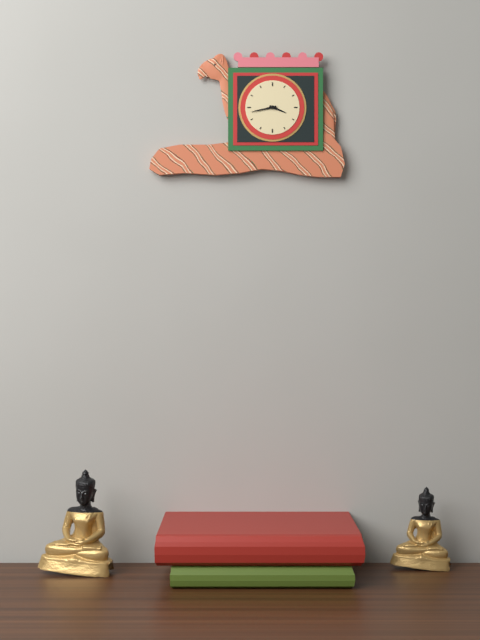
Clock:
{"hour": 3, "minute": 43}
